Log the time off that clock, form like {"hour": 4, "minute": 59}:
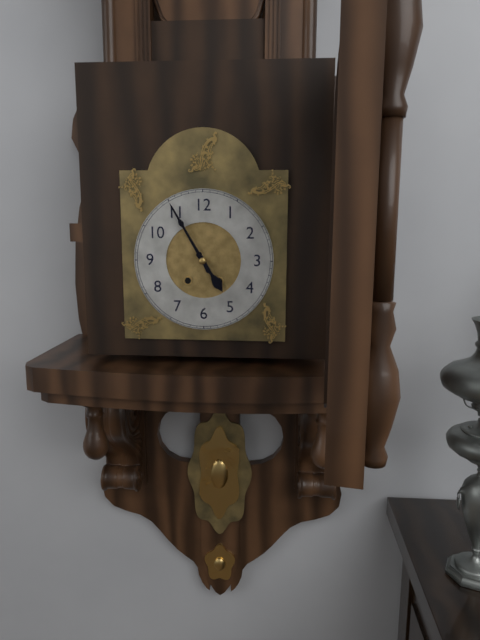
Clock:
{"hour": 4, "minute": 55}
